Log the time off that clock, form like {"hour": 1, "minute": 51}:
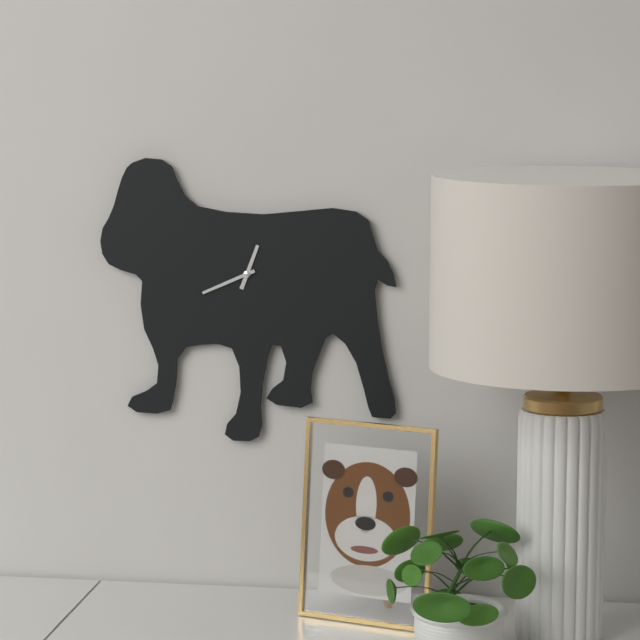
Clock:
{"hour": 12, "minute": 41}
